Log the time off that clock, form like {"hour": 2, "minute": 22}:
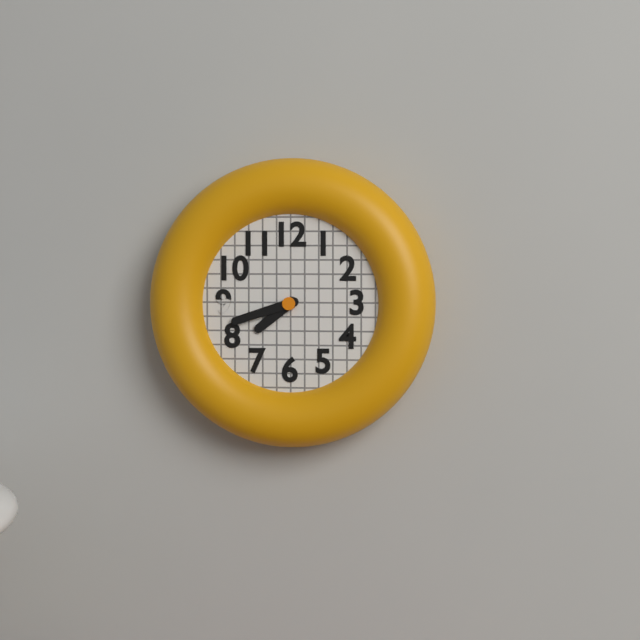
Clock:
{"hour": 7, "minute": 42}
